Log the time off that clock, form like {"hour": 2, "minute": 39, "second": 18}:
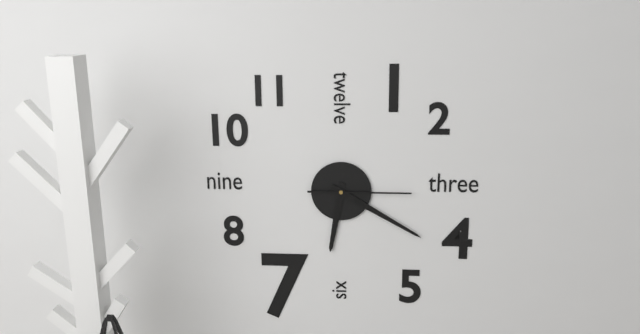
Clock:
{"hour": 6, "minute": 20, "second": 15}
